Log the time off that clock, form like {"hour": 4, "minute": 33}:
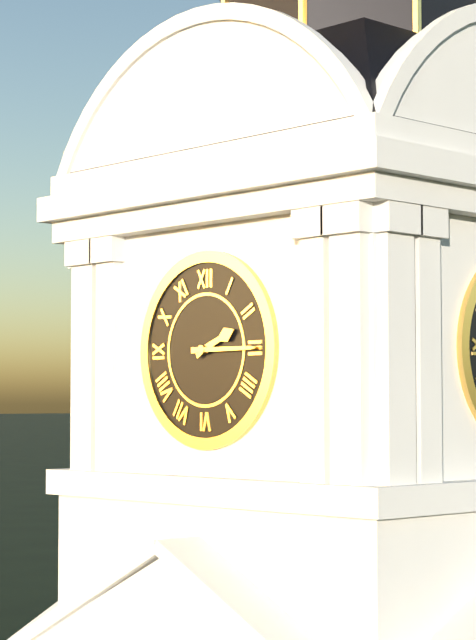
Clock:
{"hour": 2, "minute": 15}
